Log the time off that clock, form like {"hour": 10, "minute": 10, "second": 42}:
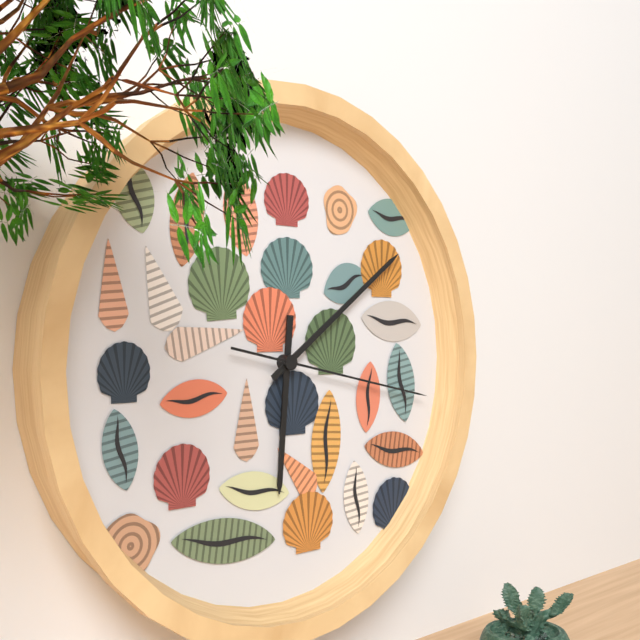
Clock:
{"hour": 6, "minute": 9, "second": 17}
